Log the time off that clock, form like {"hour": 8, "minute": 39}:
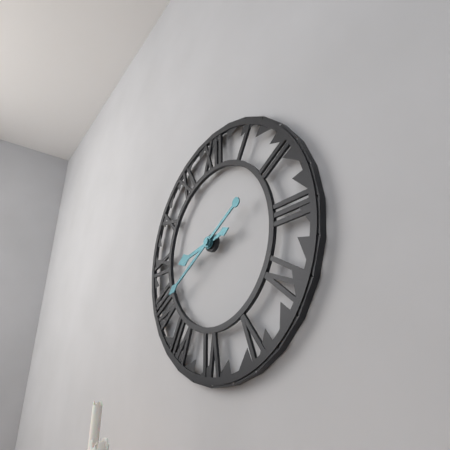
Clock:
{"hour": 8, "minute": 40}
